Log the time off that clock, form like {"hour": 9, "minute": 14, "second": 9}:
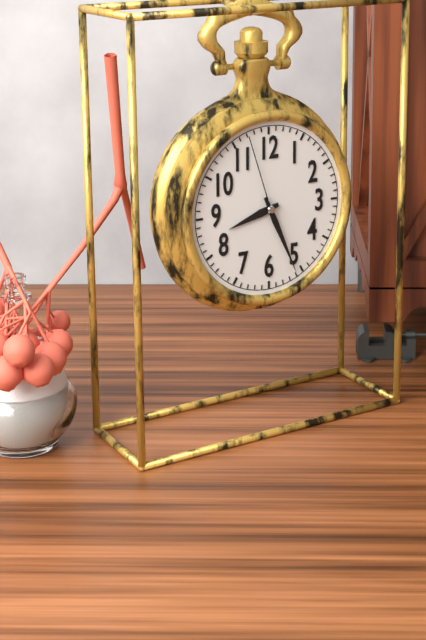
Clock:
{"hour": 8, "minute": 26, "second": 57}
